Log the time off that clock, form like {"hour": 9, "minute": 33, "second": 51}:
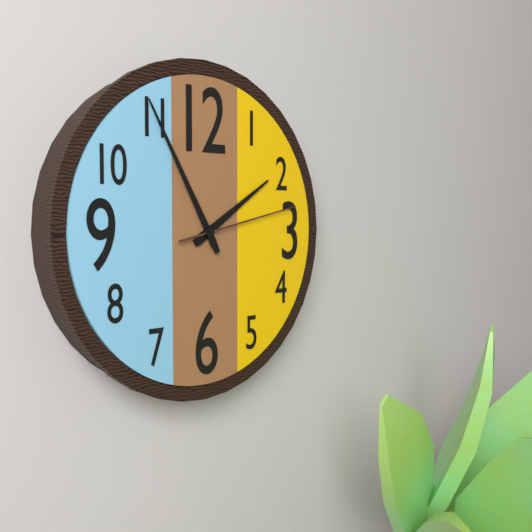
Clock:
{"hour": 1, "minute": 55, "second": 13}
